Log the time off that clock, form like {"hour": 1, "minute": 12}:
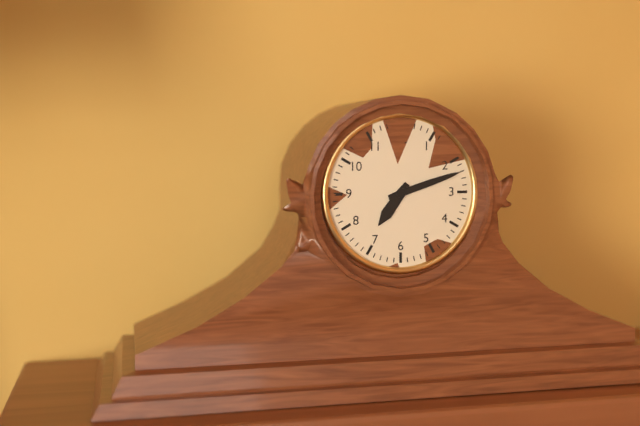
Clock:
{"hour": 7, "minute": 12}
